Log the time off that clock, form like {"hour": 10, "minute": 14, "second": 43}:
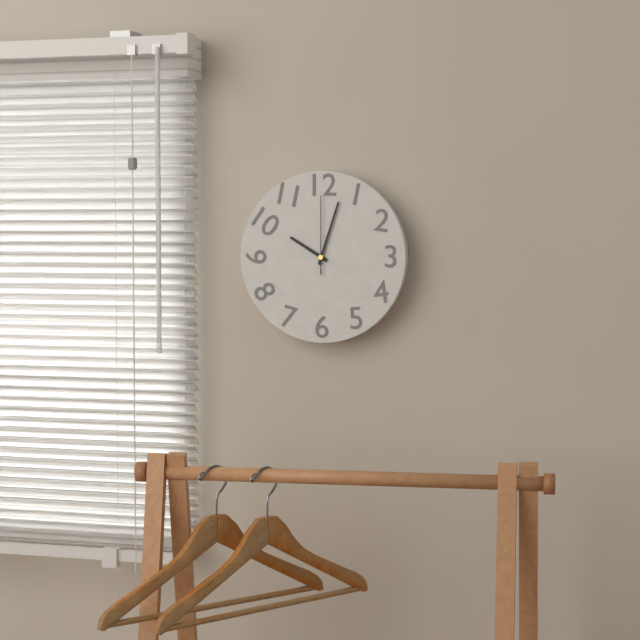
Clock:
{"hour": 10, "minute": 3, "second": 0}
